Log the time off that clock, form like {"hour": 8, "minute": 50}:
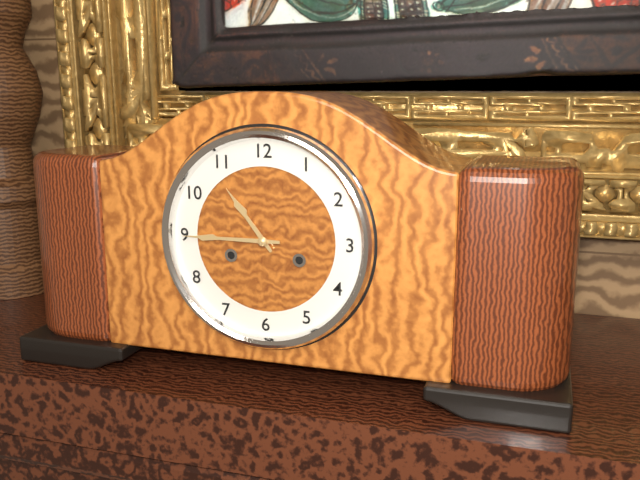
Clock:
{"hour": 10, "minute": 45}
